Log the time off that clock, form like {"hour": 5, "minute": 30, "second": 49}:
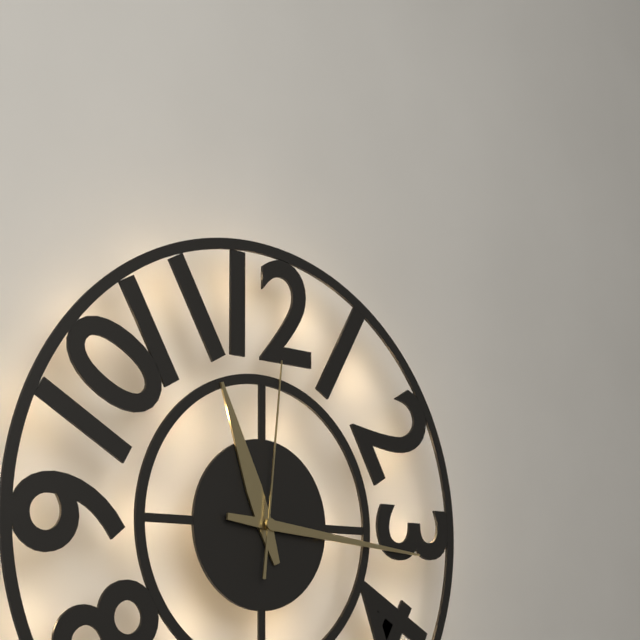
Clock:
{"hour": 11, "minute": 16, "second": 1}
